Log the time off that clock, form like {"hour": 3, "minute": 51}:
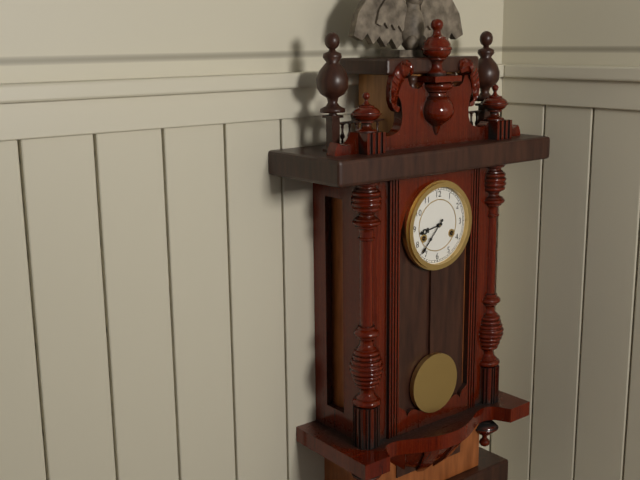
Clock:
{"hour": 8, "minute": 37}
